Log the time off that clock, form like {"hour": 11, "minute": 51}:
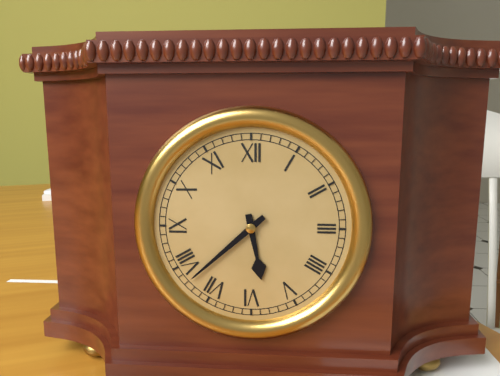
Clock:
{"hour": 5, "minute": 38}
